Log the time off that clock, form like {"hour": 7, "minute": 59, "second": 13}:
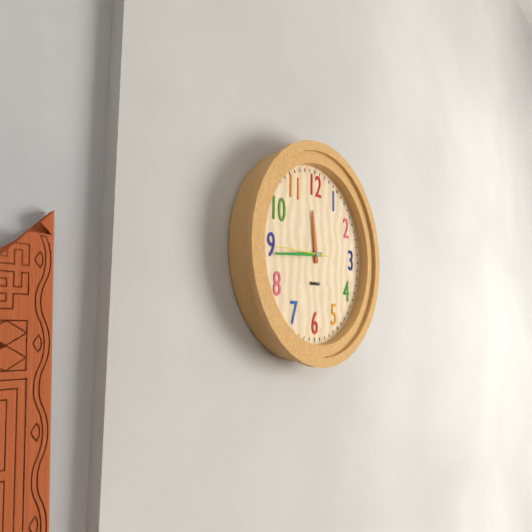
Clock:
{"hour": 11, "minute": 44, "second": 45}
